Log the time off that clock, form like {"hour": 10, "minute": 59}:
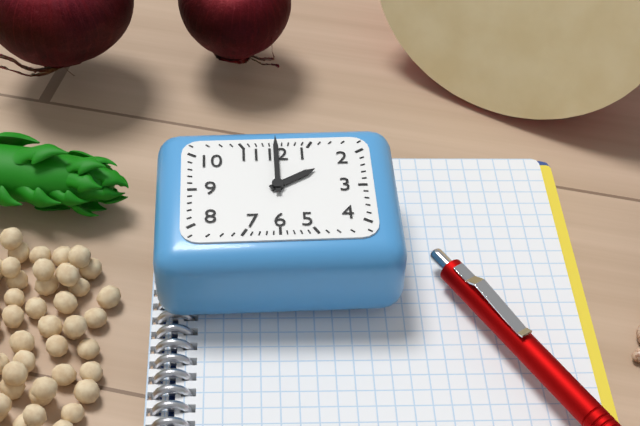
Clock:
{"hour": 2, "minute": 0}
